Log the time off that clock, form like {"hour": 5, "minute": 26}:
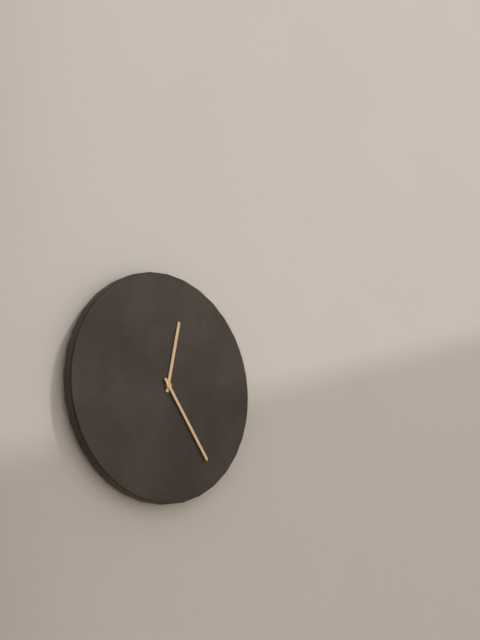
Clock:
{"hour": 12, "minute": 24}
